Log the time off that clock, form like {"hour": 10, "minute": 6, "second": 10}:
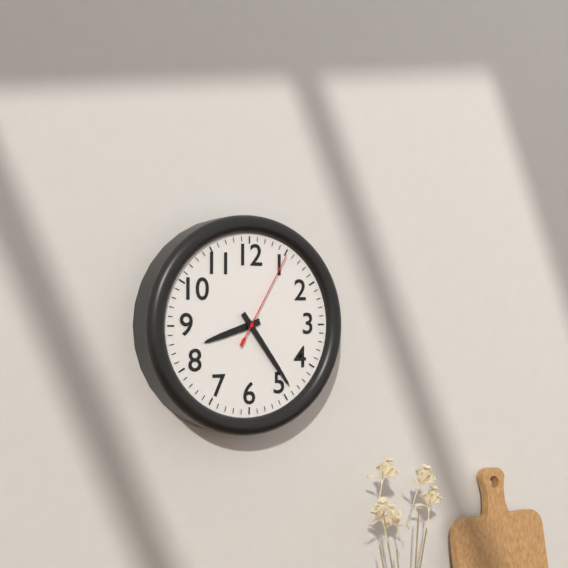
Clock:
{"hour": 8, "minute": 24, "second": 5}
